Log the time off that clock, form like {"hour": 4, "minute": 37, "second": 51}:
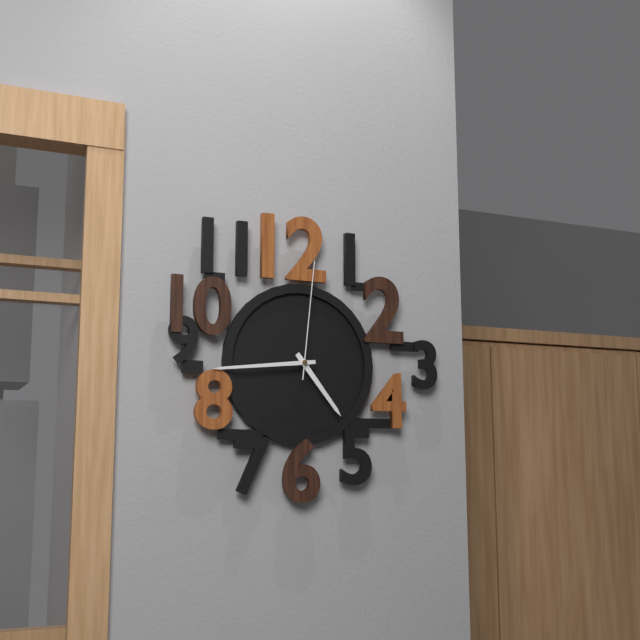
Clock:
{"hour": 4, "minute": 44, "second": 1}
